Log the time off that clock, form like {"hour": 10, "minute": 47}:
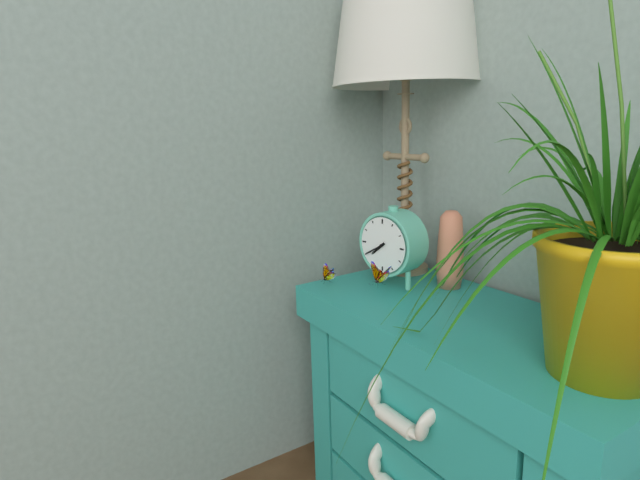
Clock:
{"hour": 7, "minute": 40}
